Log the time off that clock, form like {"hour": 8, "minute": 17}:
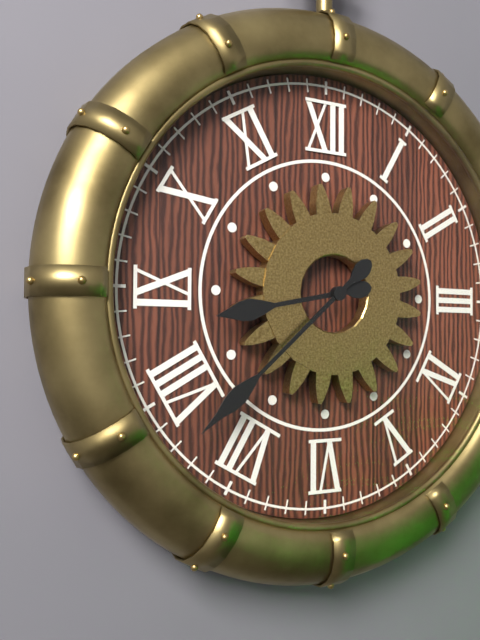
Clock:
{"hour": 8, "minute": 38}
